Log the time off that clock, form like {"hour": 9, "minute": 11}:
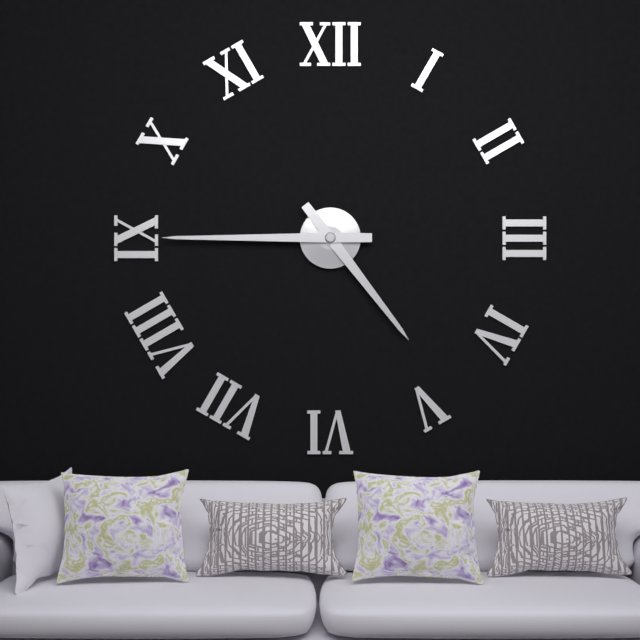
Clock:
{"hour": 4, "minute": 45}
